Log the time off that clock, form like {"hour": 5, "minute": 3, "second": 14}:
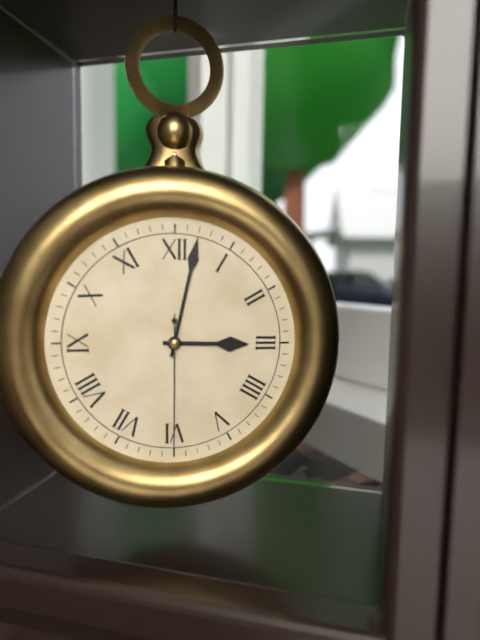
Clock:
{"hour": 3, "minute": 2, "second": 30}
